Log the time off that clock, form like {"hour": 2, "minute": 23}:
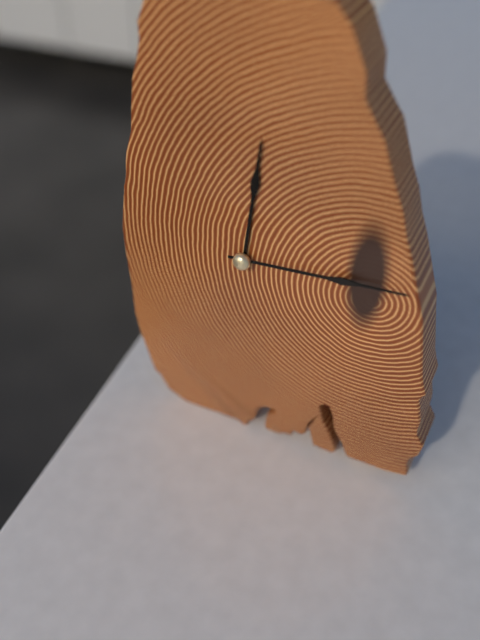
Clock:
{"hour": 12, "minute": 14}
